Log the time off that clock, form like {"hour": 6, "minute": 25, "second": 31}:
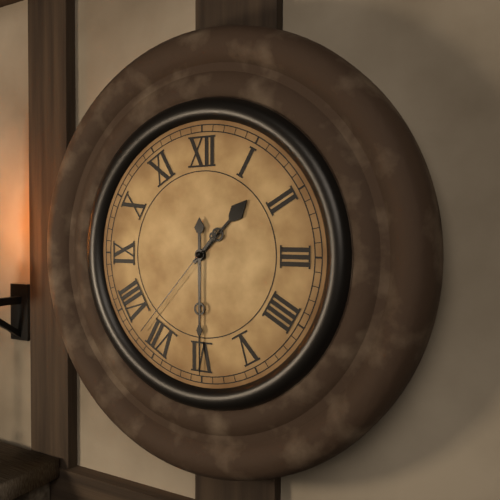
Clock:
{"hour": 1, "minute": 30, "second": 37}
